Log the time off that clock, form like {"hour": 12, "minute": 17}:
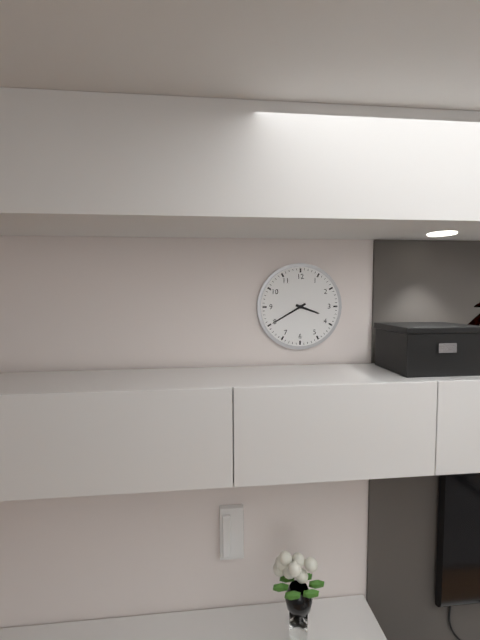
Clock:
{"hour": 3, "minute": 40}
